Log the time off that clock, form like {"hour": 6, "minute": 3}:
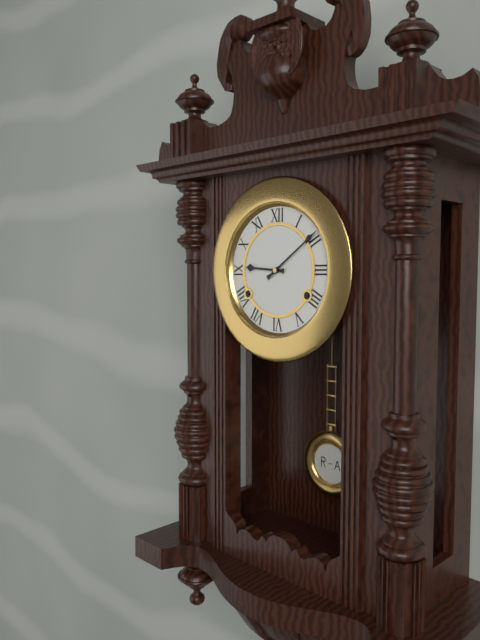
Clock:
{"hour": 9, "minute": 9}
